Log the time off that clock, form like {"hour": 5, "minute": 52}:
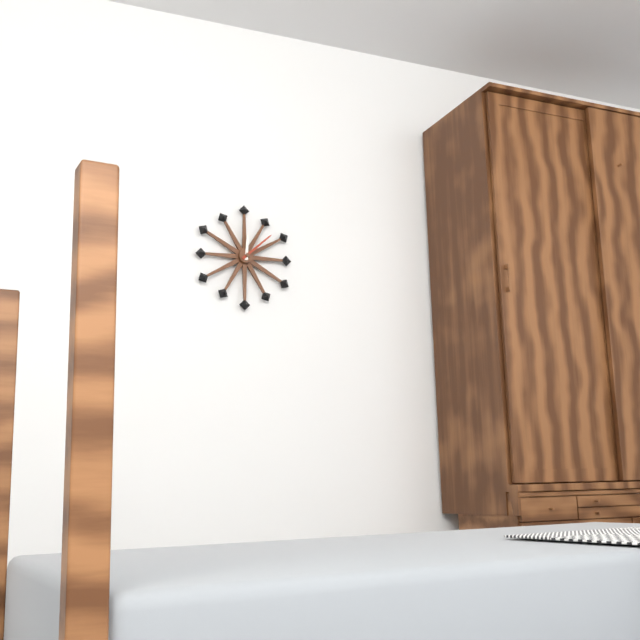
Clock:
{"hour": 12, "minute": 8}
